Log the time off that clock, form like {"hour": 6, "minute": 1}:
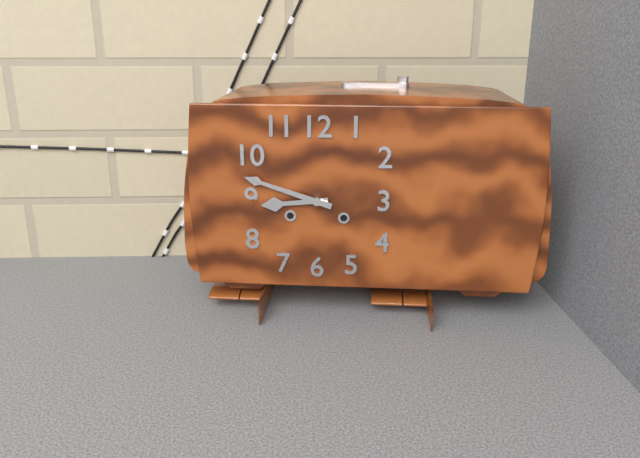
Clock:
{"hour": 8, "minute": 48}
